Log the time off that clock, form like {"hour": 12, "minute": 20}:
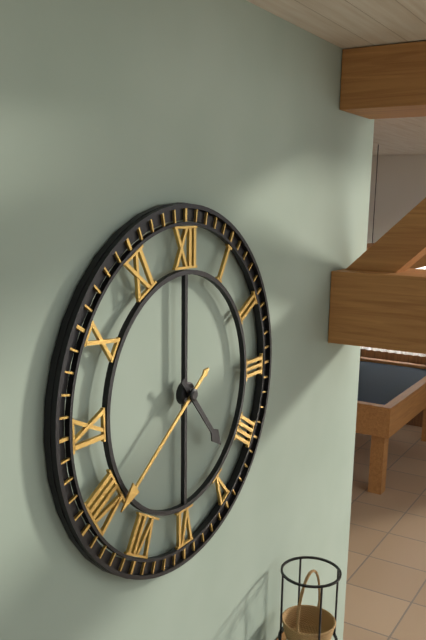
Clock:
{"hour": 4, "minute": 39}
